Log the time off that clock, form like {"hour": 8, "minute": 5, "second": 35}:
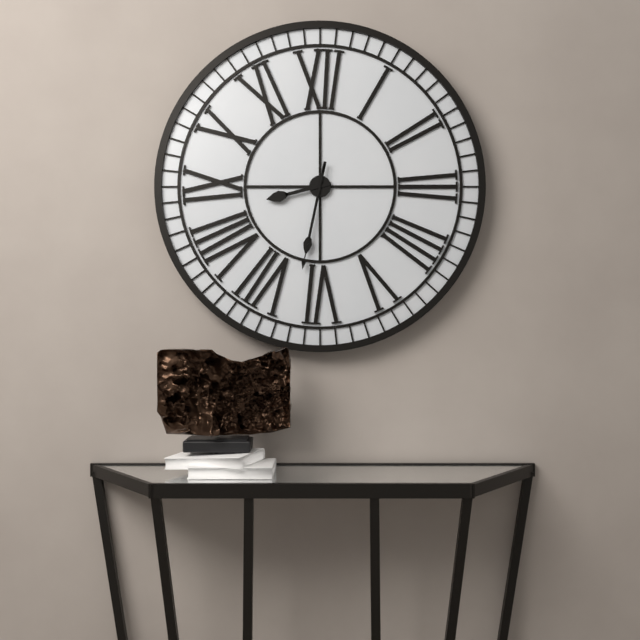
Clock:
{"hour": 8, "minute": 32, "second": 32}
